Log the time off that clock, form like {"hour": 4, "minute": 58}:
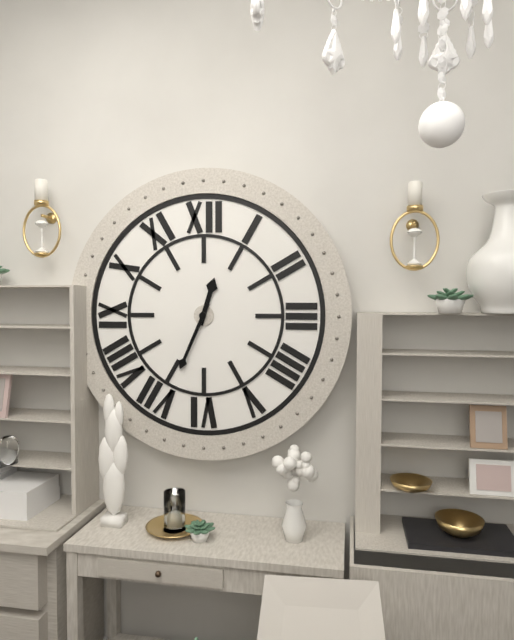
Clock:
{"hour": 12, "minute": 34}
